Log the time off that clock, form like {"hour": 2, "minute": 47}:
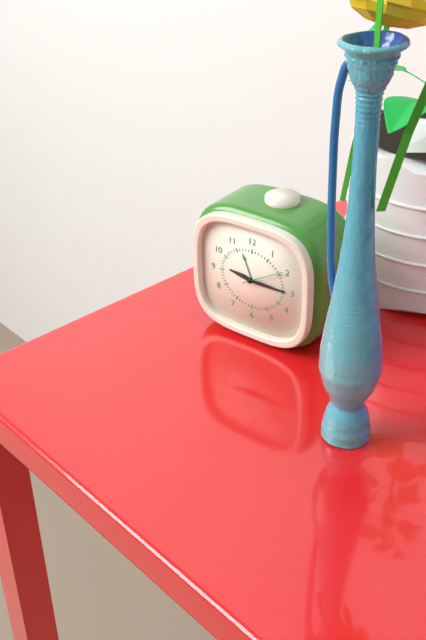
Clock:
{"hour": 9, "minute": 15}
